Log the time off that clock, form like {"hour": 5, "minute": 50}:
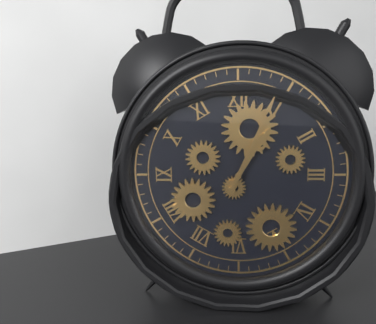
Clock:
{"hour": 1, "minute": 4}
